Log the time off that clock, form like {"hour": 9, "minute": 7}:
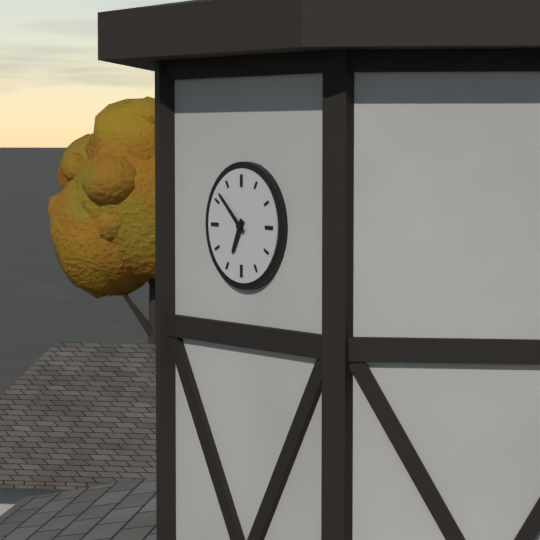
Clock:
{"hour": 6, "minute": 52}
